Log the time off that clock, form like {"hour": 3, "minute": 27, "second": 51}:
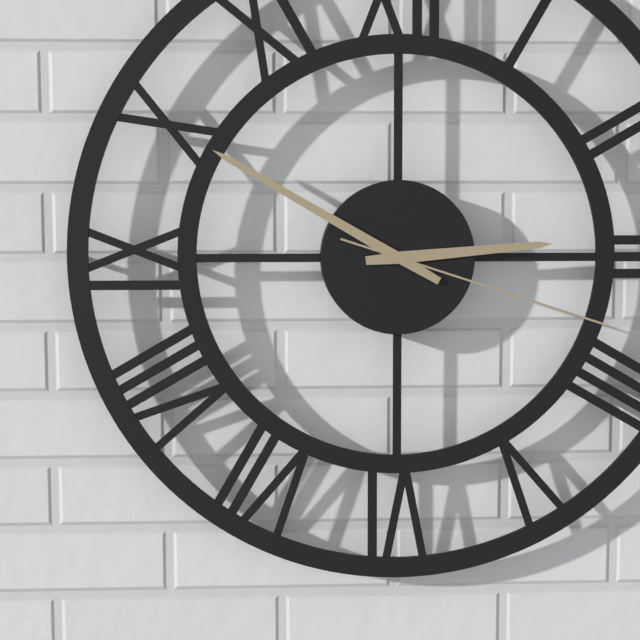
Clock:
{"hour": 2, "minute": 50, "second": 18}
